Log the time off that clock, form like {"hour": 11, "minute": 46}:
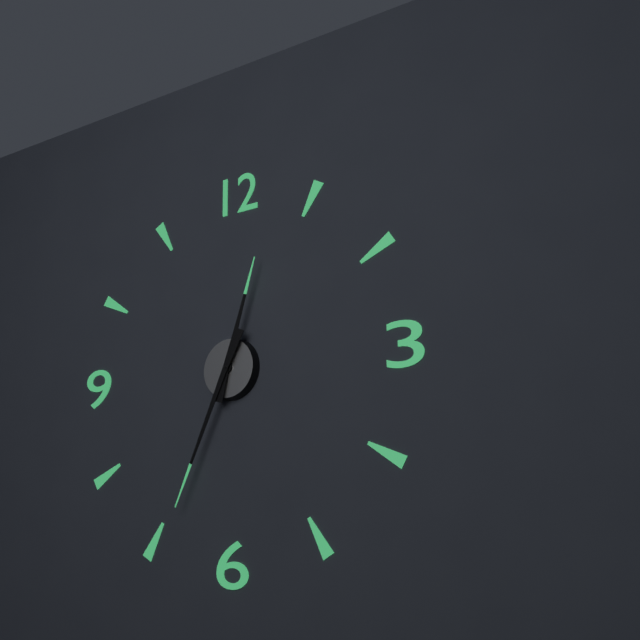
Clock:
{"hour": 12, "minute": 34}
